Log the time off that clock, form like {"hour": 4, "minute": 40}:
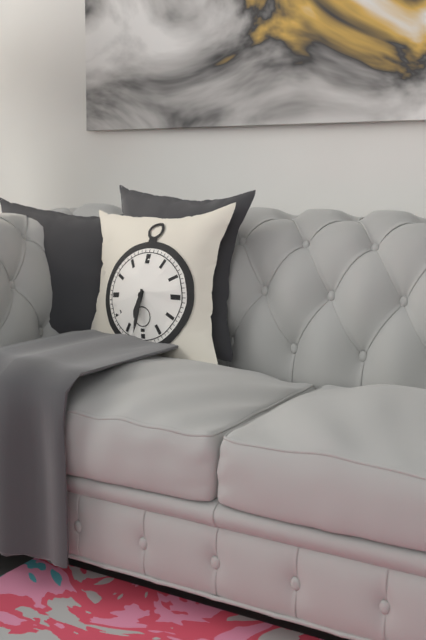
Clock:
{"hour": 6, "minute": 31}
